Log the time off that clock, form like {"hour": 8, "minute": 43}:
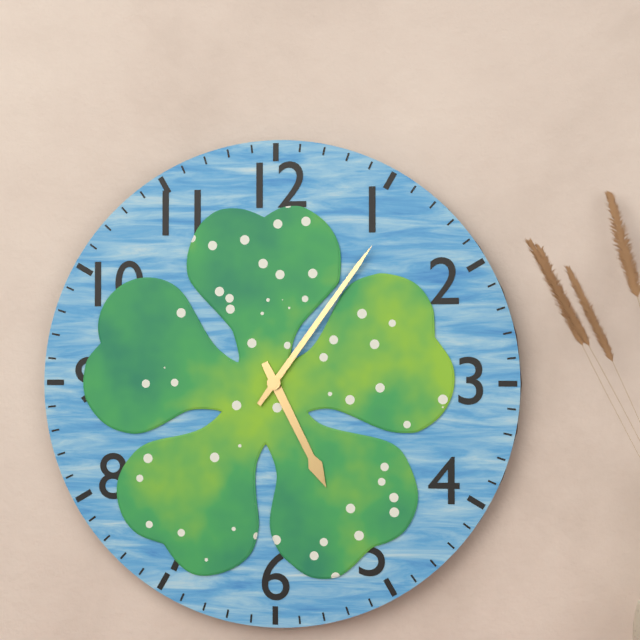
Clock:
{"hour": 5, "minute": 6}
